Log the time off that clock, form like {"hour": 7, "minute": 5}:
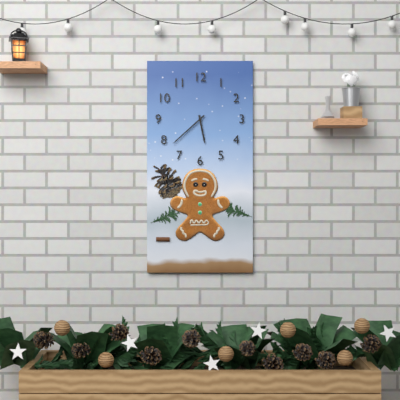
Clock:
{"hour": 5, "minute": 38}
